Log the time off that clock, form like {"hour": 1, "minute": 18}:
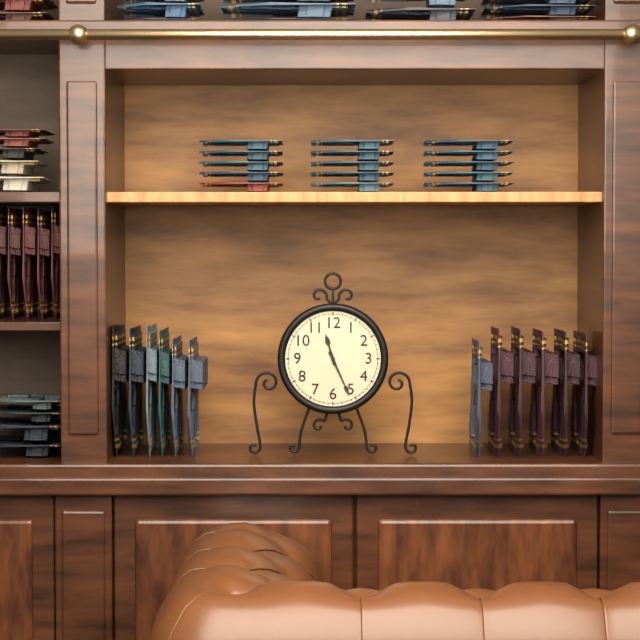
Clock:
{"hour": 11, "minute": 26}
